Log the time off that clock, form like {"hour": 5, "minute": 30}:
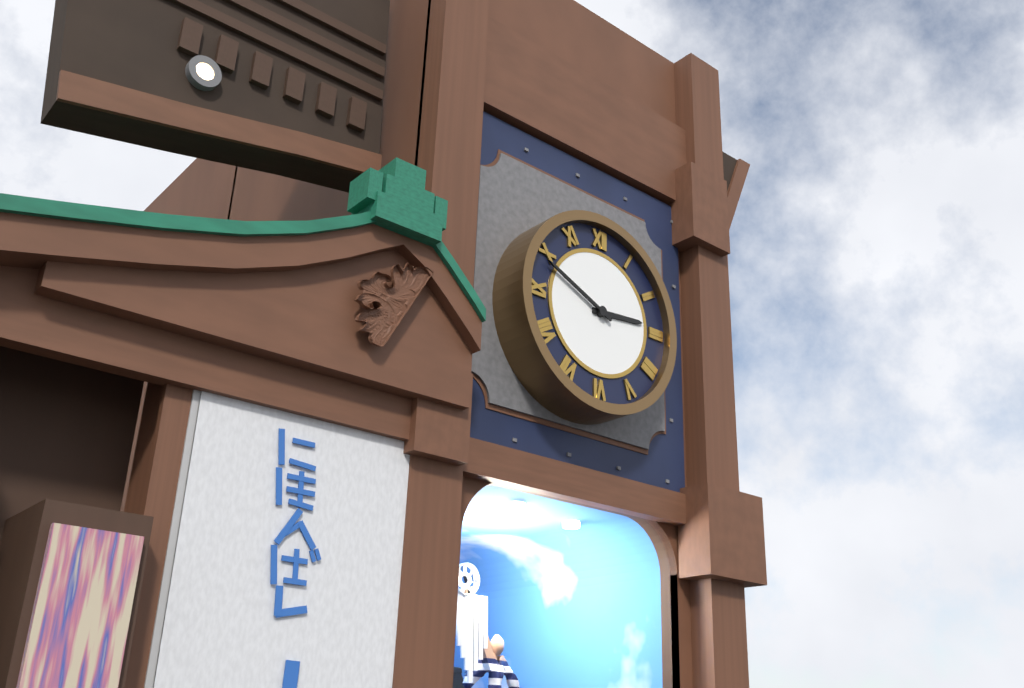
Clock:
{"hour": 2, "minute": 49}
